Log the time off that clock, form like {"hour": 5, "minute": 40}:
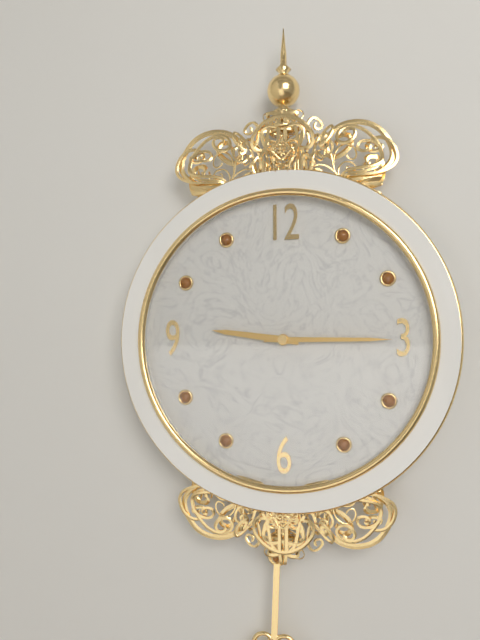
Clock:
{"hour": 9, "minute": 15}
